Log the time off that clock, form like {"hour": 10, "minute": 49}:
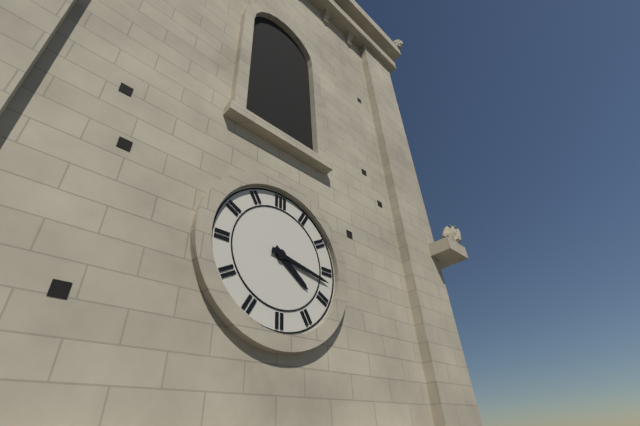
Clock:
{"hour": 4, "minute": 17}
